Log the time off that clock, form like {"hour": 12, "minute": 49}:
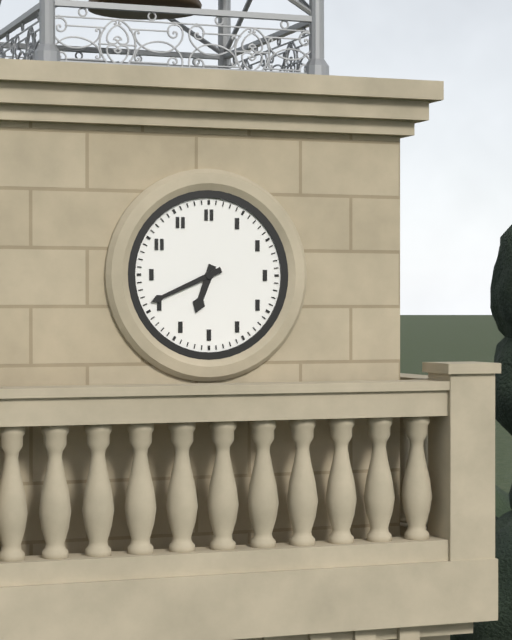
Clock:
{"hour": 6, "minute": 41}
